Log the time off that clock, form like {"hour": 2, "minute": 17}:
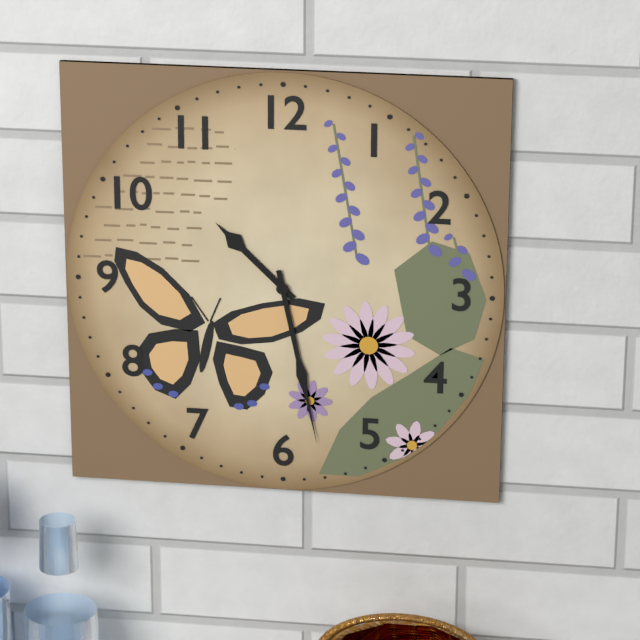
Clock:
{"hour": 10, "minute": 28}
